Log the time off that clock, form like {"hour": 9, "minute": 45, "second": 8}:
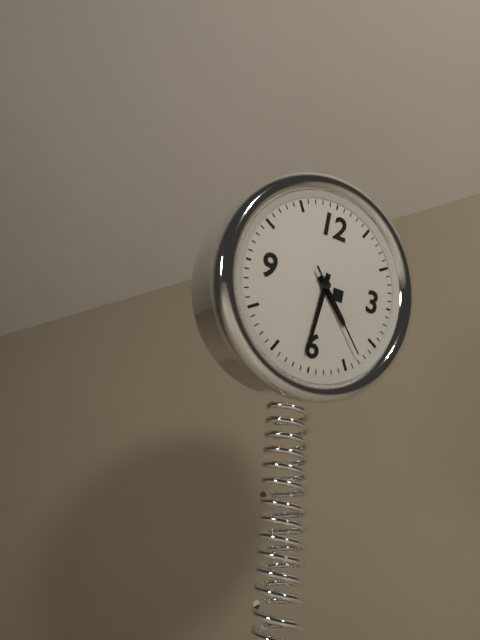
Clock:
{"hour": 4, "minute": 31, "second": 23}
